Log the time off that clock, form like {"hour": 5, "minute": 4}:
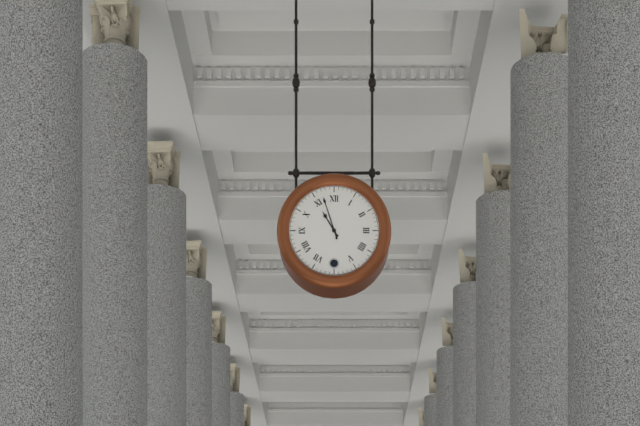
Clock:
{"hour": 10, "minute": 57}
